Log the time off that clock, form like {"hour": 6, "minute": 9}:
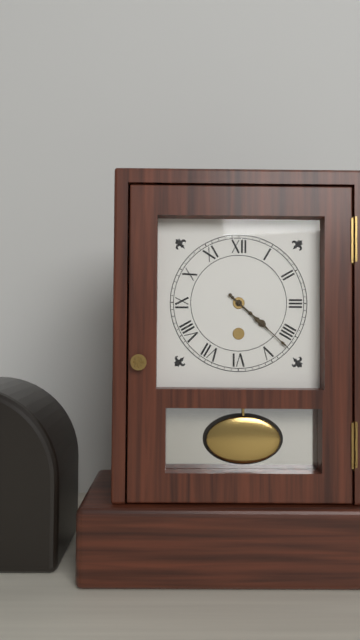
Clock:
{"hour": 4, "minute": 22}
